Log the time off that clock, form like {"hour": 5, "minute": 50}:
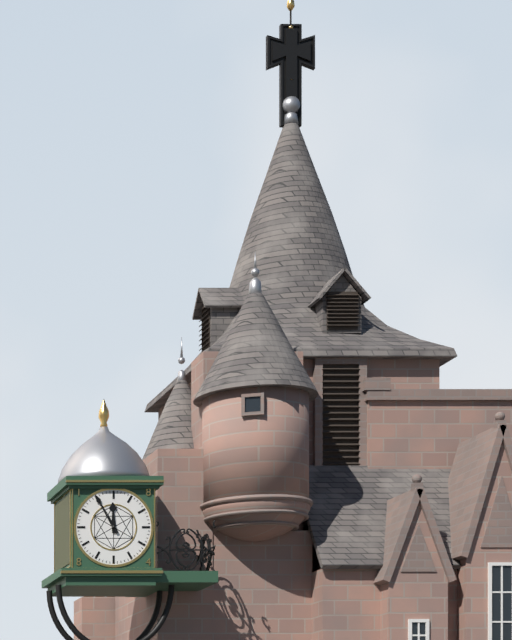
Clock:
{"hour": 11, "minute": 55}
